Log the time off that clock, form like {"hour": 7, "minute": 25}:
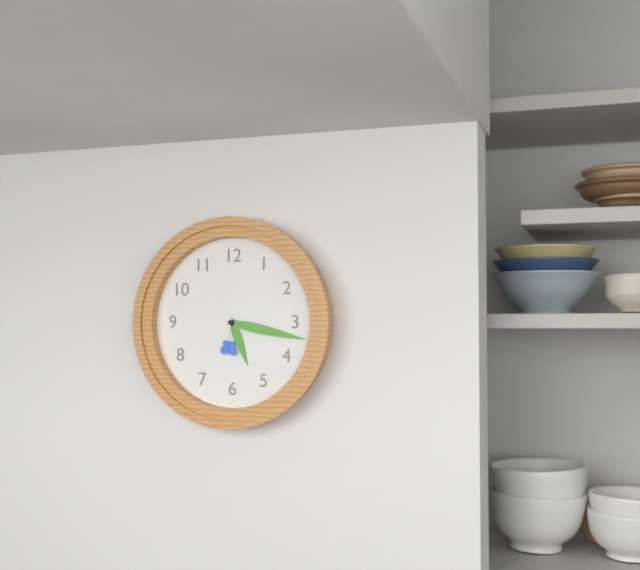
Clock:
{"hour": 5, "minute": 17}
